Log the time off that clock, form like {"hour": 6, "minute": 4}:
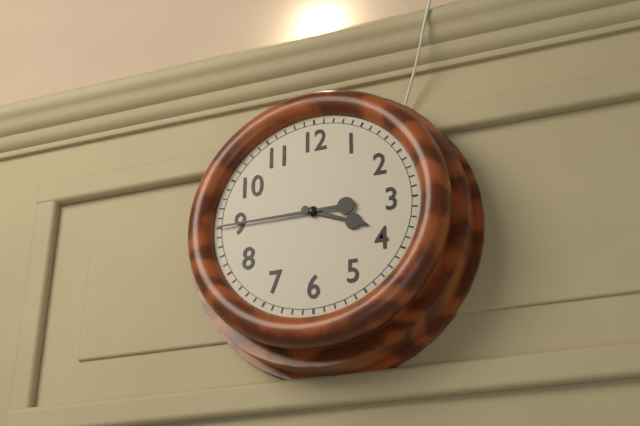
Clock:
{"hour": 3, "minute": 45}
